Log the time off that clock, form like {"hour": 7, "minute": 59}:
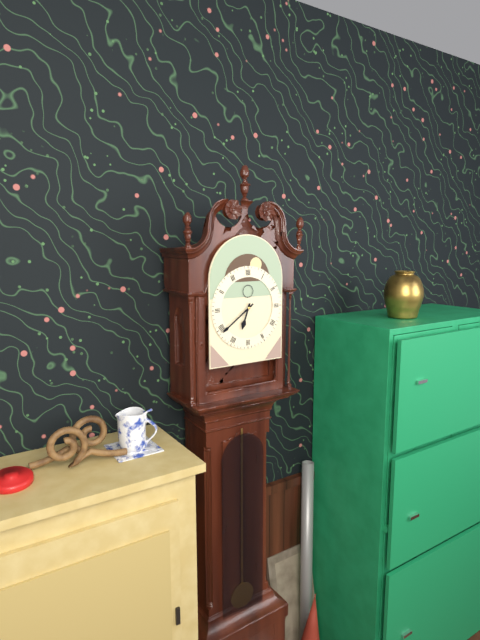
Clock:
{"hour": 6, "minute": 39}
